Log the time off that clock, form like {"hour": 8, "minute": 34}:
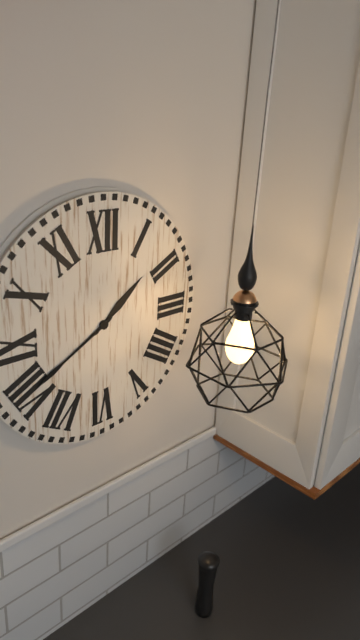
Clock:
{"hour": 1, "minute": 40}
